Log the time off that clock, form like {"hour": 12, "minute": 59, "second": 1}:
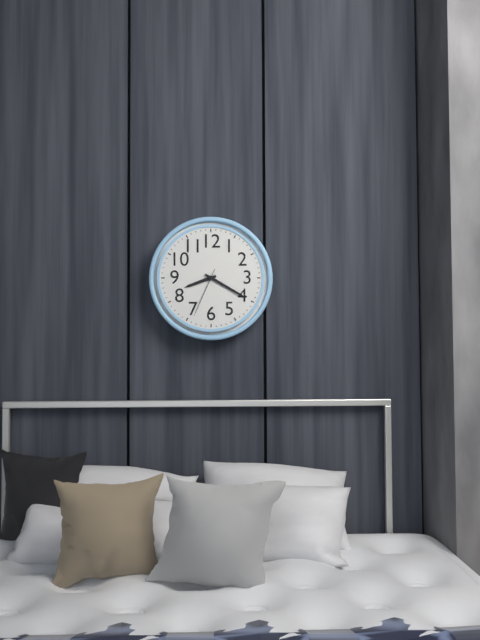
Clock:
{"hour": 8, "minute": 20, "second": 34}
